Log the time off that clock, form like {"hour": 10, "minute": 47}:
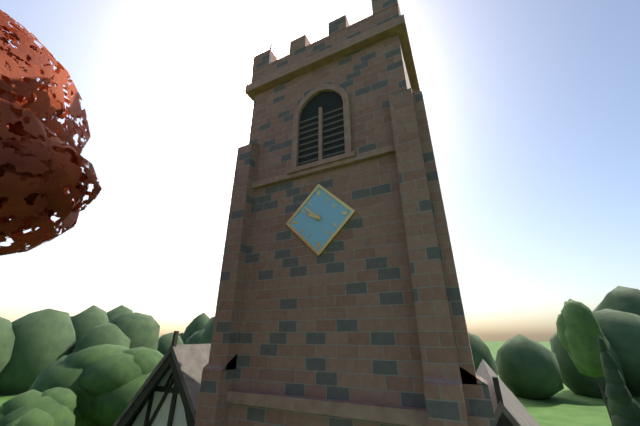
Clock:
{"hour": 9, "minute": 52}
